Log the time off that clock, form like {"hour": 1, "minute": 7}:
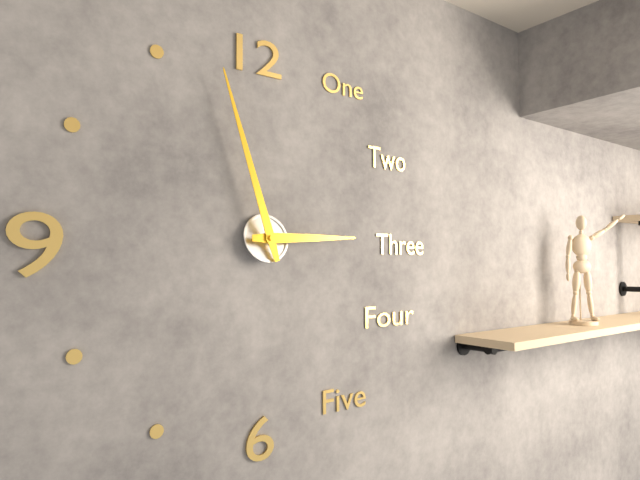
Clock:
{"hour": 2, "minute": 57}
